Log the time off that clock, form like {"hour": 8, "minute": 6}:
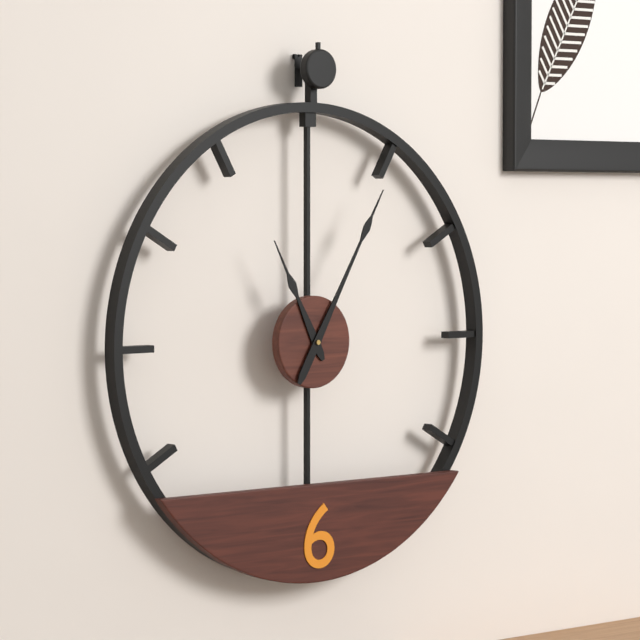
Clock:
{"hour": 11, "minute": 5}
